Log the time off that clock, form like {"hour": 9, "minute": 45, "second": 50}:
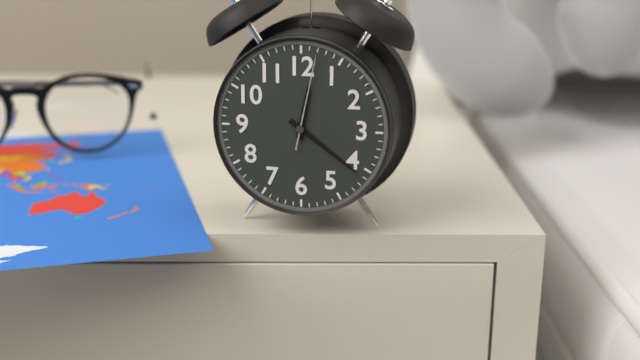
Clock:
{"hour": 12, "minute": 21, "second": 2}
